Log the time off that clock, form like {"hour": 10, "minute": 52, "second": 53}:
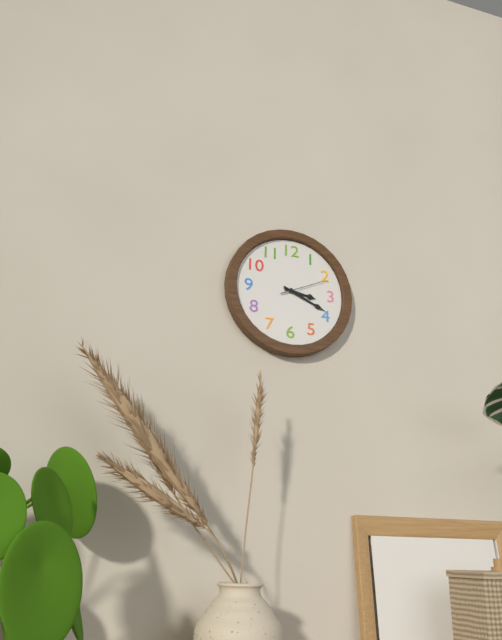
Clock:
{"hour": 3, "minute": 19, "second": 11}
